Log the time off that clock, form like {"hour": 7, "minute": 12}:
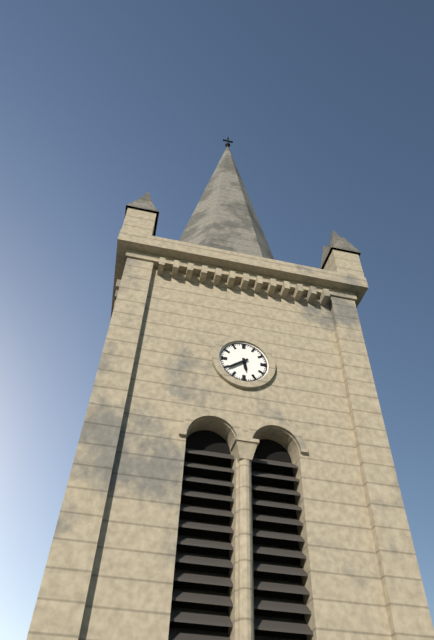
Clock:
{"hour": 5, "minute": 39}
